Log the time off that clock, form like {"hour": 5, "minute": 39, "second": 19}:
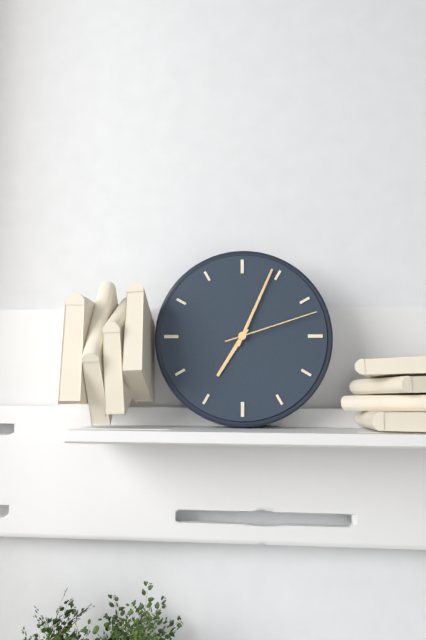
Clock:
{"hour": 7, "minute": 4, "second": 12}
